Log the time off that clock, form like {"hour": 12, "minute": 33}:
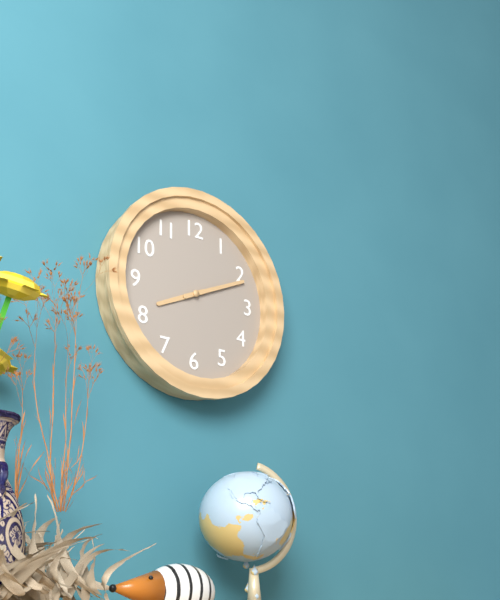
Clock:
{"hour": 8, "minute": 11}
